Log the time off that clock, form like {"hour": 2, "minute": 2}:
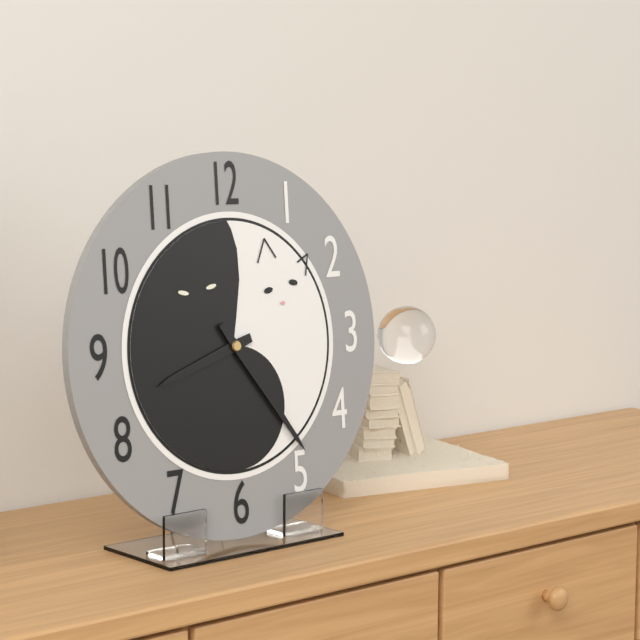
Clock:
{"hour": 8, "minute": 24}
